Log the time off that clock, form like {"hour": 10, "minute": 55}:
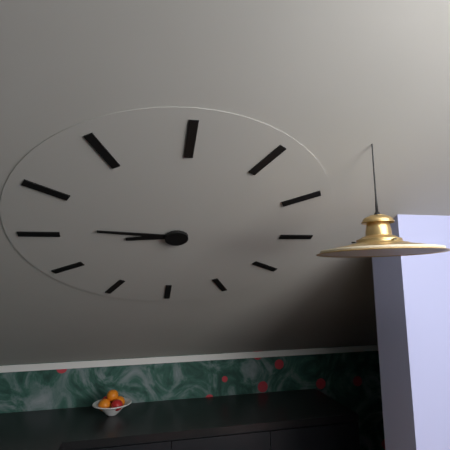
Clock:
{"hour": 8, "minute": 46}
